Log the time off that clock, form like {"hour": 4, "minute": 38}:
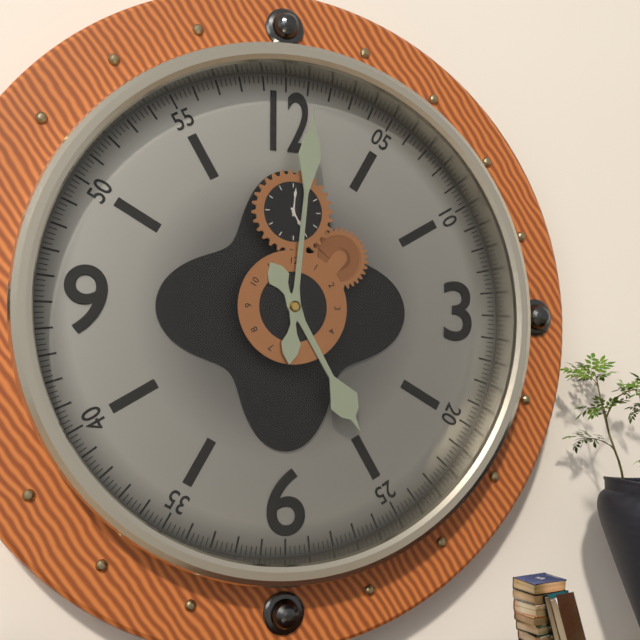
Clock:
{"hour": 5, "minute": 1}
